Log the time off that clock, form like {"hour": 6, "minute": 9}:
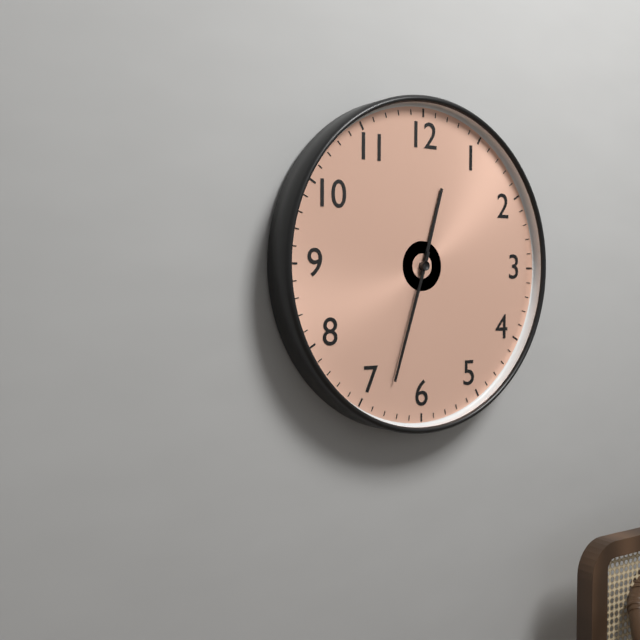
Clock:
{"hour": 12, "minute": 33}
